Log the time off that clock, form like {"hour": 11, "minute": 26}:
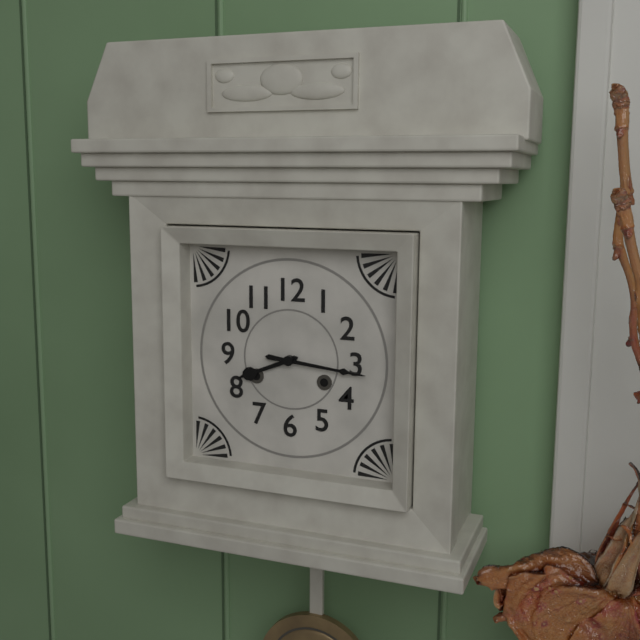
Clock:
{"hour": 8, "minute": 16}
